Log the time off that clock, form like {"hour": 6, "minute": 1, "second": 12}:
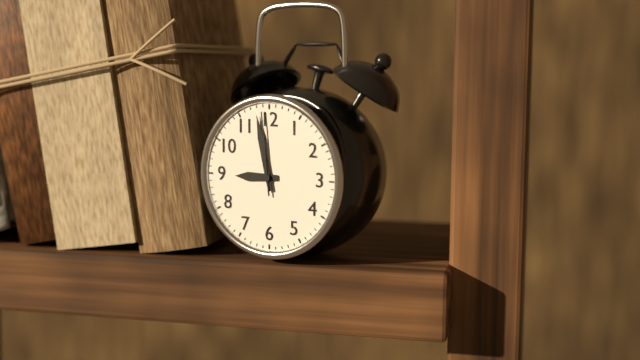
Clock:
{"hour": 8, "minute": 58, "second": 59}
